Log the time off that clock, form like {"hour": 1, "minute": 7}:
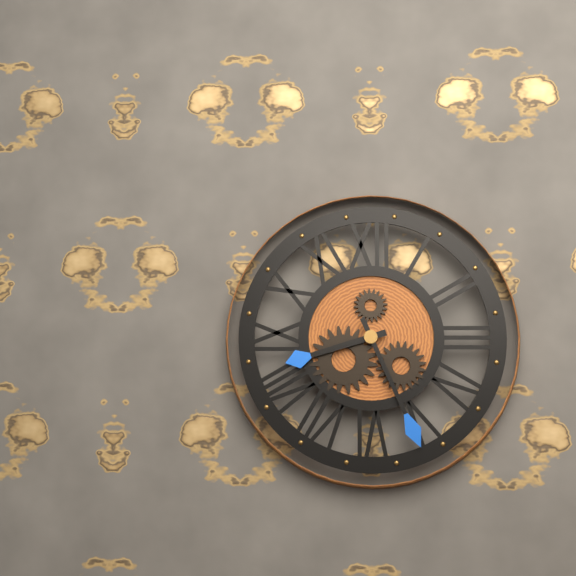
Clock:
{"hour": 8, "minute": 26}
